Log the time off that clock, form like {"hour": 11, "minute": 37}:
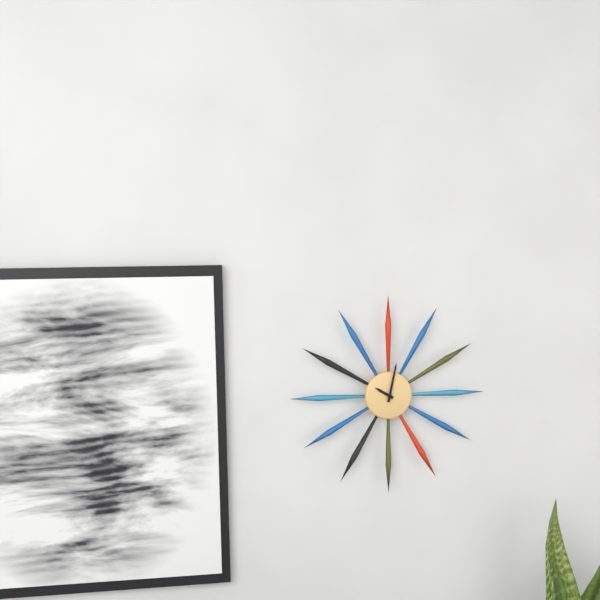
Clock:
{"hour": 10, "minute": 2}
